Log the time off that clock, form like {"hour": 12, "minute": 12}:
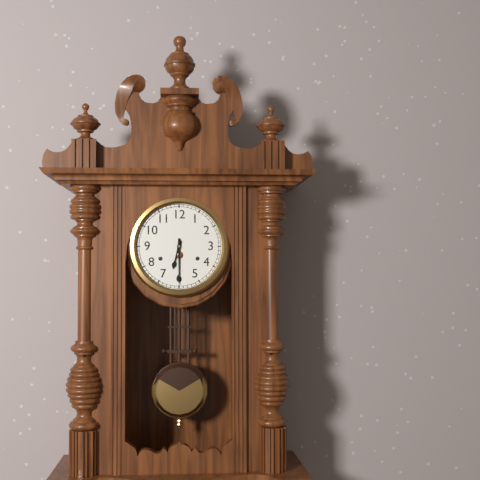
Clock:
{"hour": 6, "minute": 30}
